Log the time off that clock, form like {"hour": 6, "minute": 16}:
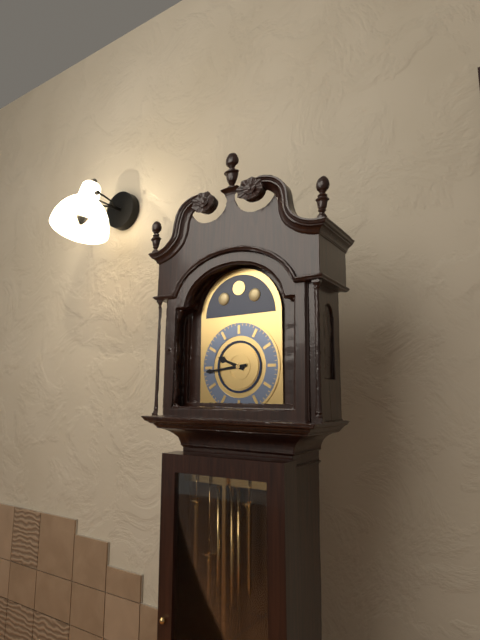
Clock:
{"hour": 9, "minute": 44}
